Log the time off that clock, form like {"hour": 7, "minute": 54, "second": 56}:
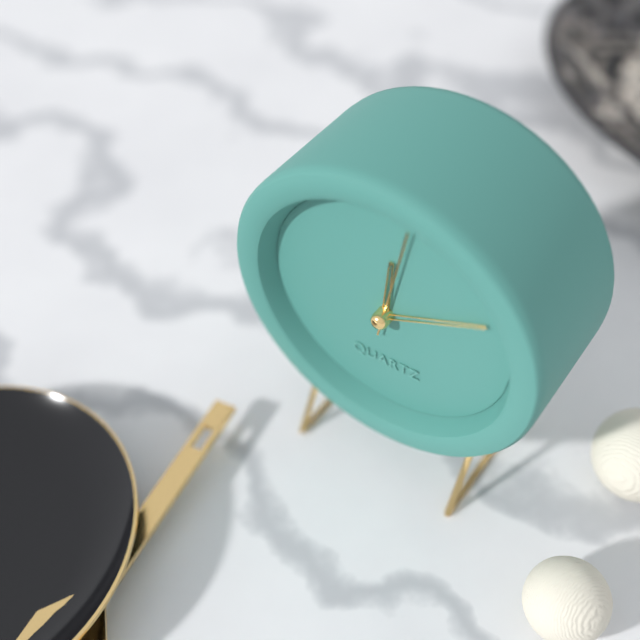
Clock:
{"hour": 12, "minute": 11, "second": 2}
